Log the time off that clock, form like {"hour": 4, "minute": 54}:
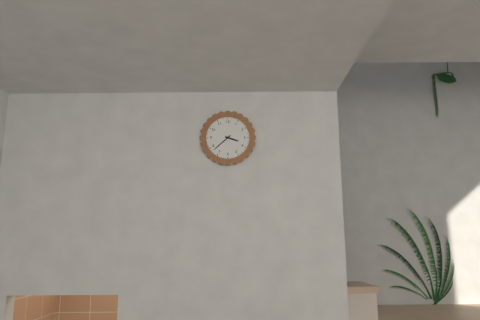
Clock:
{"hour": 3, "minute": 38}
